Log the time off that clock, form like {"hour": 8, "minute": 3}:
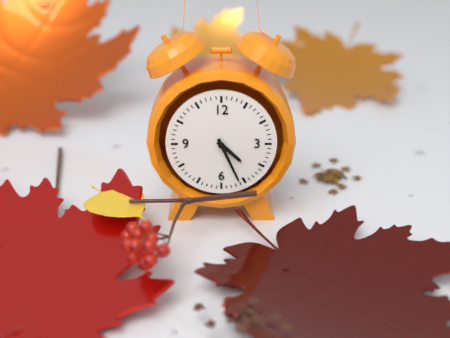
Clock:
{"hour": 4, "minute": 26}
